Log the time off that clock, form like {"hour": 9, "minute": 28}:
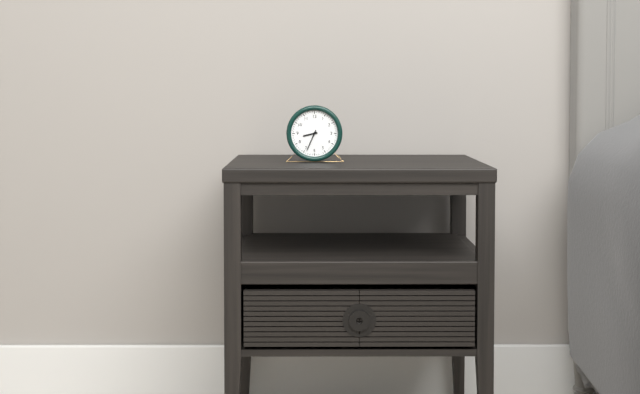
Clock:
{"hour": 8, "minute": 34}
